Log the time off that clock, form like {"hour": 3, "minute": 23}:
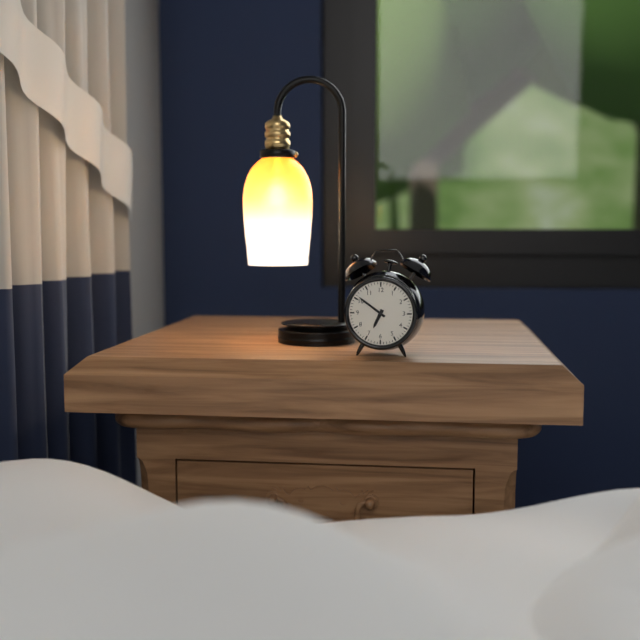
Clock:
{"hour": 6, "minute": 51}
